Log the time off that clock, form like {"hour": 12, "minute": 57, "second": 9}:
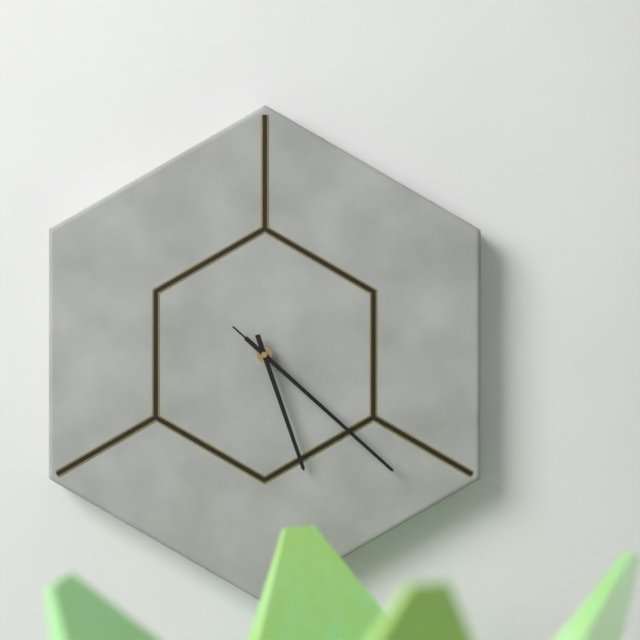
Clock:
{"hour": 5, "minute": 22, "second": 22}
